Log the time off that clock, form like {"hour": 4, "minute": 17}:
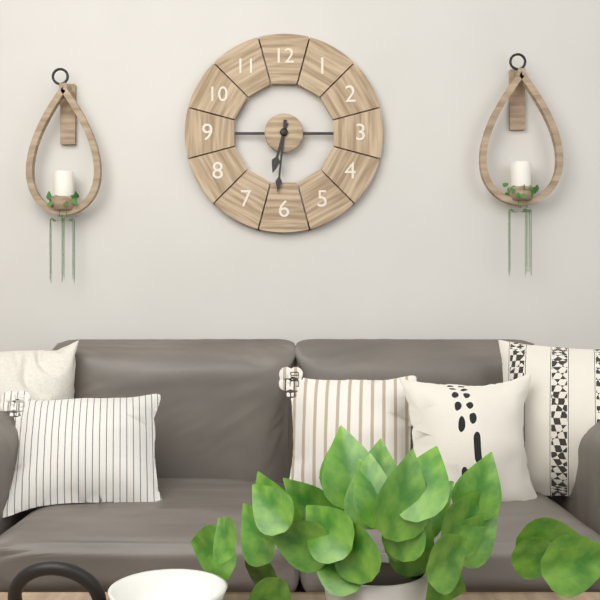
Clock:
{"hour": 6, "minute": 31}
